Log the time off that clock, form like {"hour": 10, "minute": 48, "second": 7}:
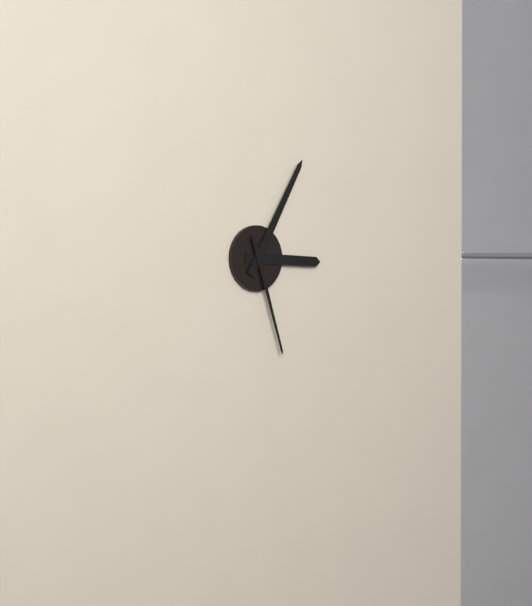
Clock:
{"hour": 3, "minute": 5, "second": 27}
